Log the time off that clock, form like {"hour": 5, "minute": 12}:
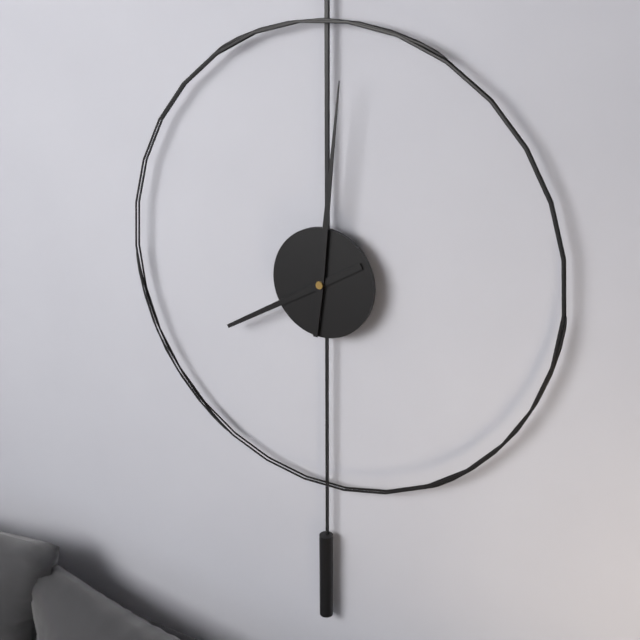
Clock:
{"hour": 8, "minute": 1}
